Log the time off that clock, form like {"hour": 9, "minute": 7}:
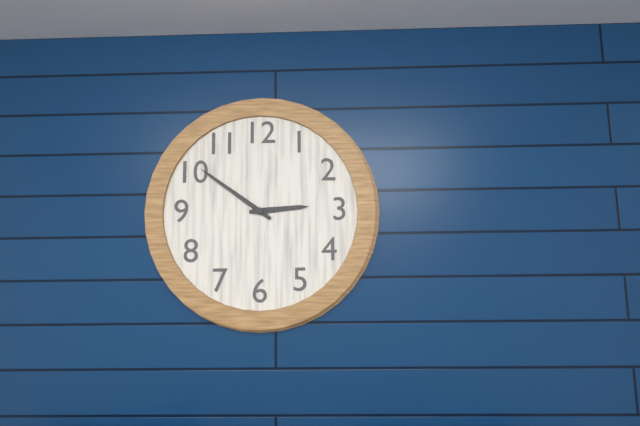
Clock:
{"hour": 2, "minute": 51}
